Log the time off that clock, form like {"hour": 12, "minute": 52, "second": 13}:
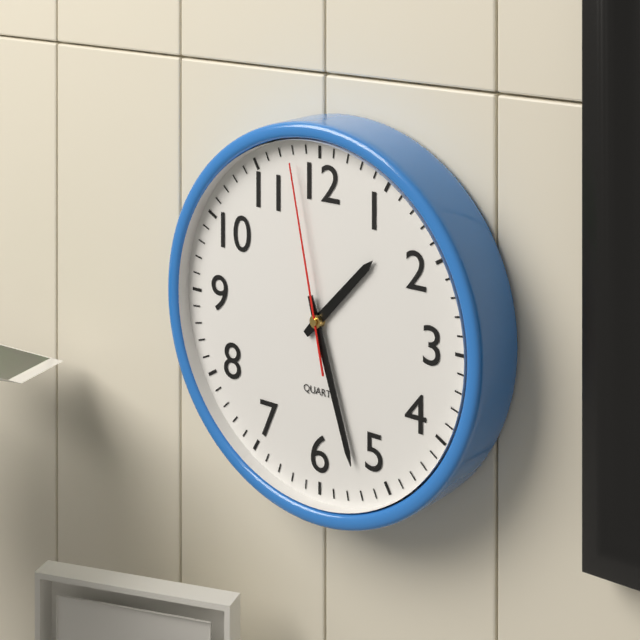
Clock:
{"hour": 1, "minute": 27, "second": 58}
